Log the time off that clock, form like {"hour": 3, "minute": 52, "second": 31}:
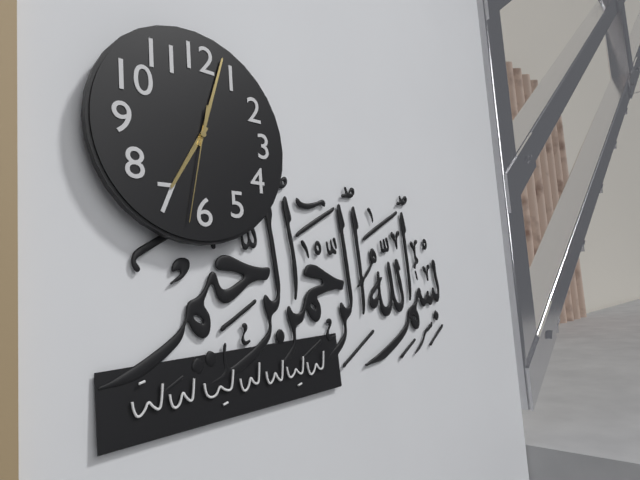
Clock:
{"hour": 7, "minute": 3, "second": 32}
